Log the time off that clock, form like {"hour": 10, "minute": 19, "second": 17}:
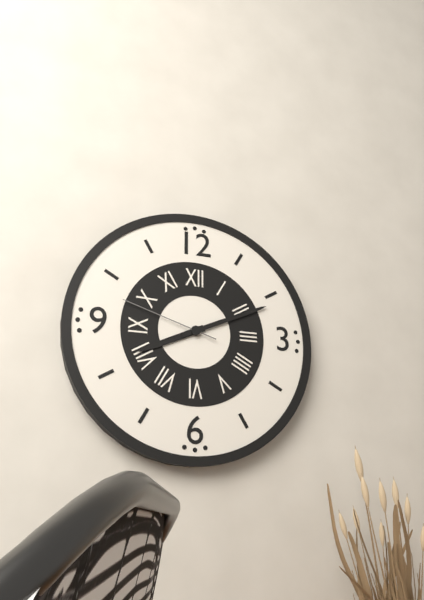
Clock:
{"hour": 8, "minute": 11, "second": 48}
